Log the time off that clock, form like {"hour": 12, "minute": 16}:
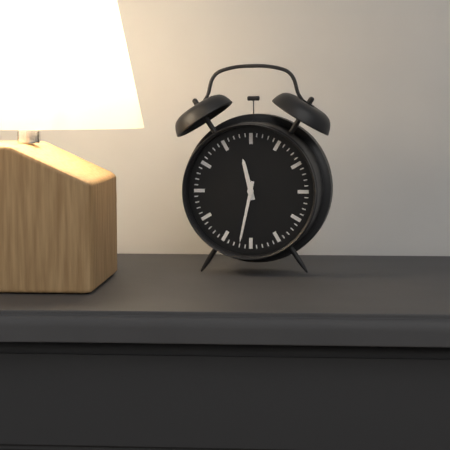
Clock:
{"hour": 11, "minute": 32}
